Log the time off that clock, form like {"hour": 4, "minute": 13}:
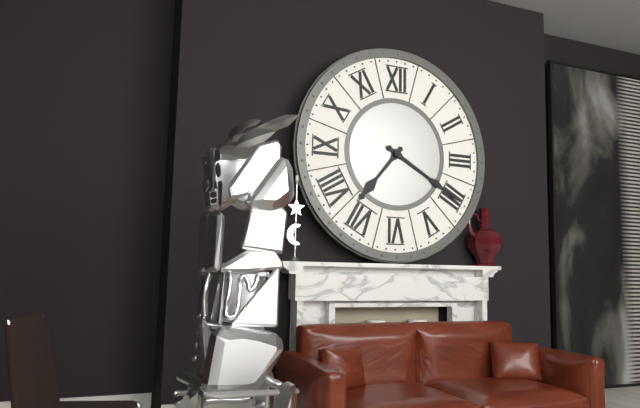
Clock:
{"hour": 7, "minute": 20}
